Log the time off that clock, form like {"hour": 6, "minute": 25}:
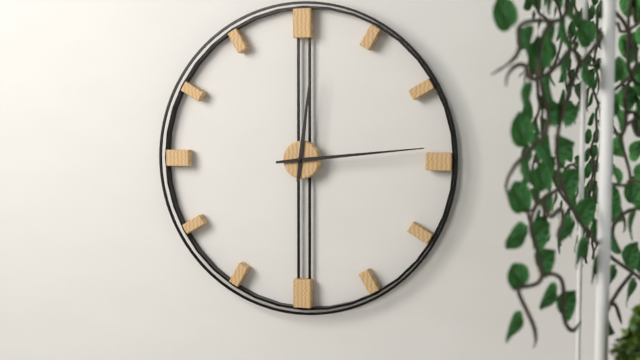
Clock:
{"hour": 12, "minute": 14}
